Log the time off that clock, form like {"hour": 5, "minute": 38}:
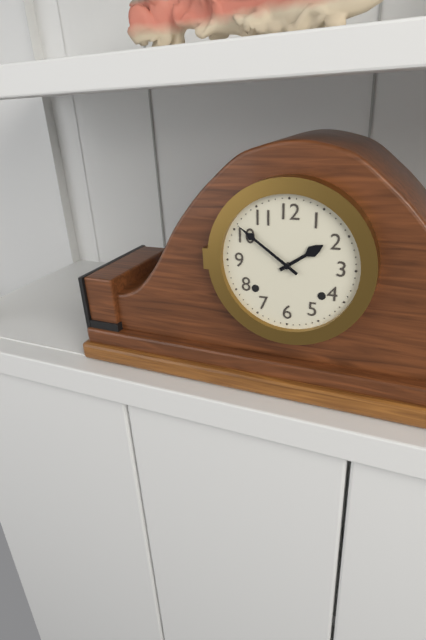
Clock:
{"hour": 1, "minute": 51}
